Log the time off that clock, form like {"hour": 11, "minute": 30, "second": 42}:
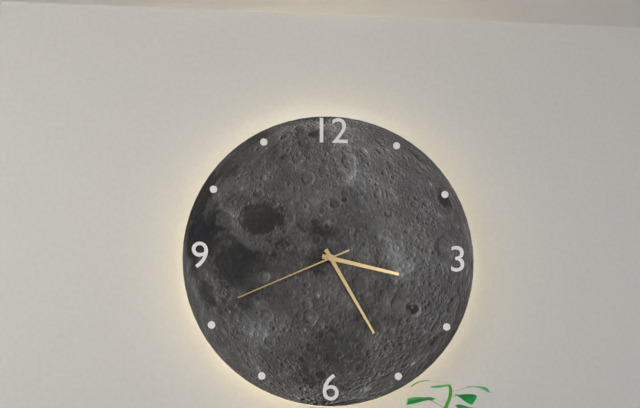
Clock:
{"hour": 3, "minute": 25, "second": 41}
